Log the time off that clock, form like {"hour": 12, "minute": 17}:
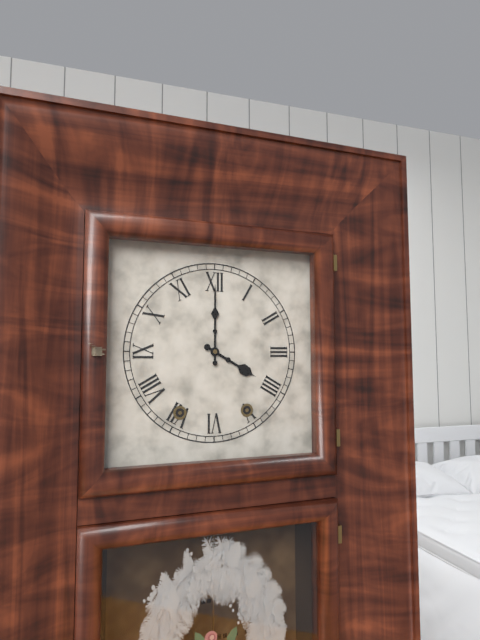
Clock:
{"hour": 4, "minute": 0}
